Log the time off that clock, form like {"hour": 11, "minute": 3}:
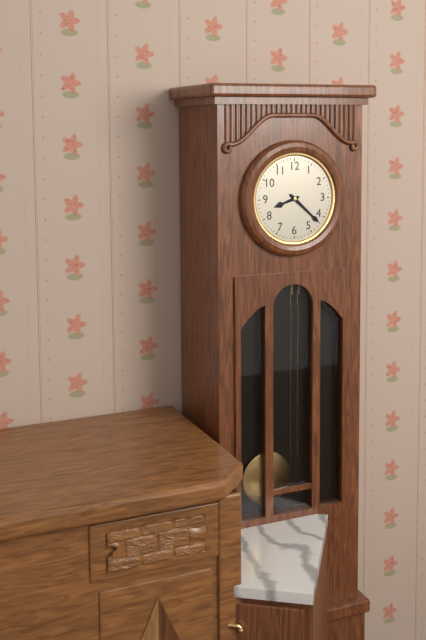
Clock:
{"hour": 8, "minute": 22}
